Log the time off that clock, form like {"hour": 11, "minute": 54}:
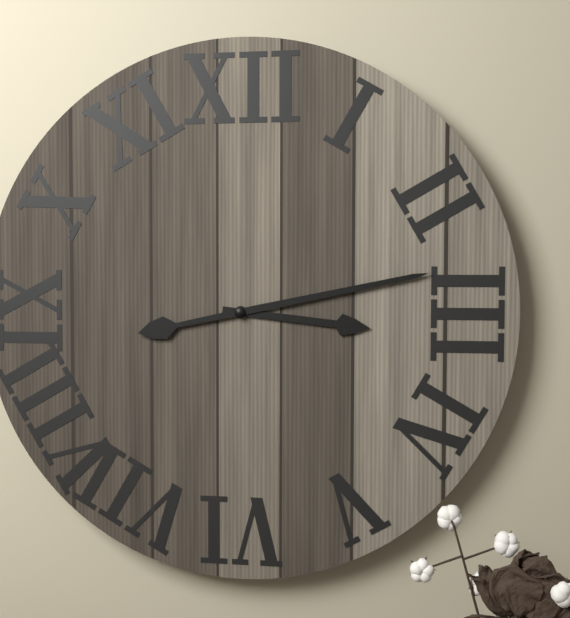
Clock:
{"hour": 3, "minute": 13}
